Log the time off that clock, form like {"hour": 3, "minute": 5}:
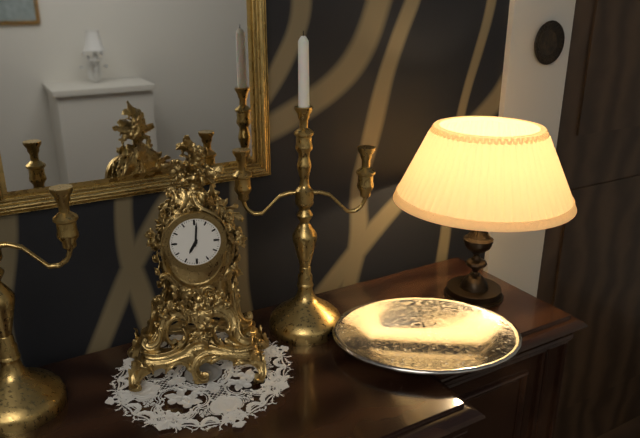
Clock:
{"hour": 7, "minute": 1}
